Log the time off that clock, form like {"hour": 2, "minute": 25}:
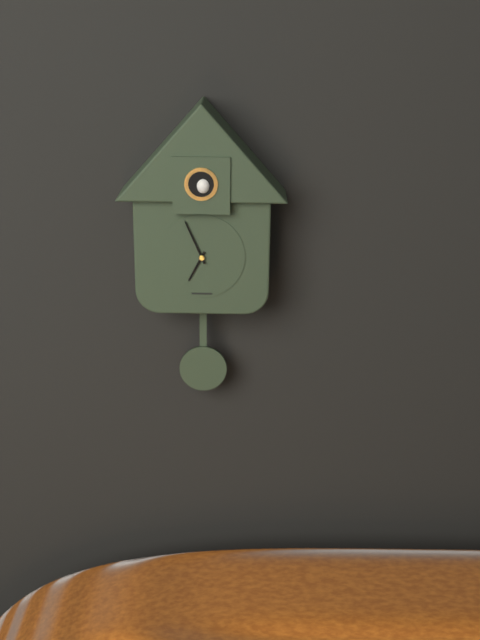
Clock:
{"hour": 6, "minute": 56}
